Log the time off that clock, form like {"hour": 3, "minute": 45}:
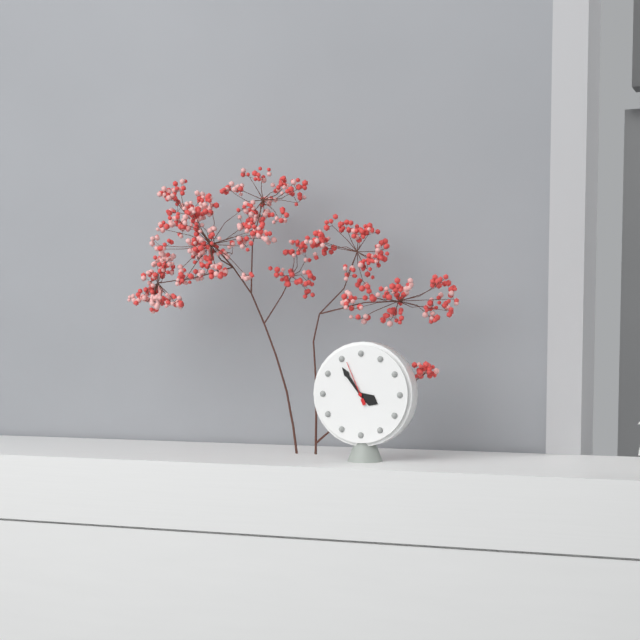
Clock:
{"hour": 3, "minute": 54}
